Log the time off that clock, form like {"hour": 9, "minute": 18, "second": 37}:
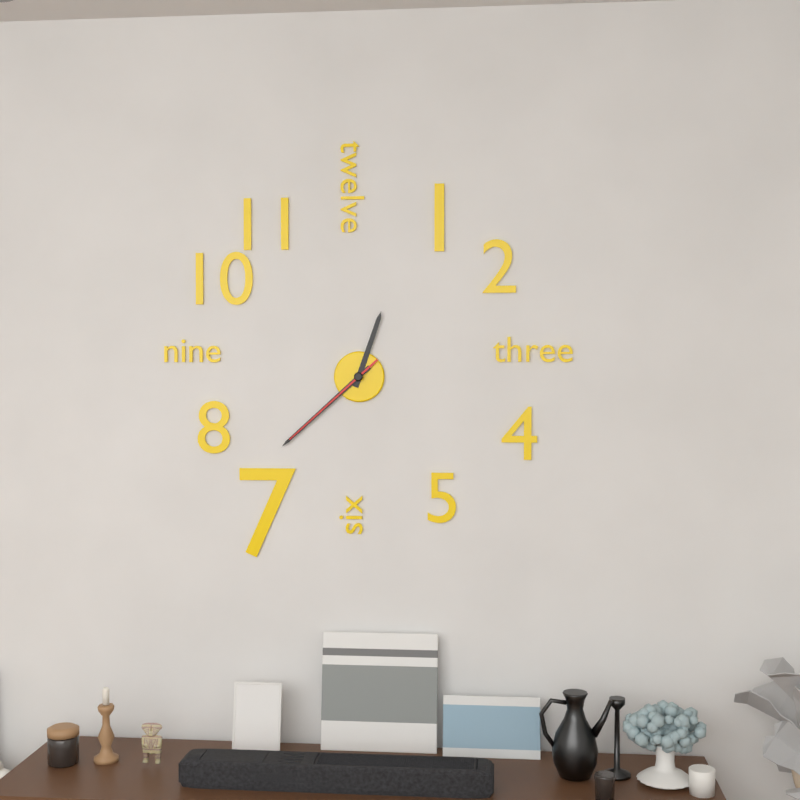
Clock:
{"hour": 12, "minute": 38, "second": 38}
